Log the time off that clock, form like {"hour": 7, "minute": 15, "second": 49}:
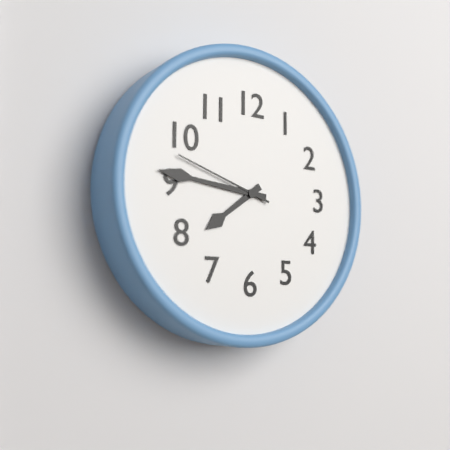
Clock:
{"hour": 7, "minute": 46, "second": 48}
